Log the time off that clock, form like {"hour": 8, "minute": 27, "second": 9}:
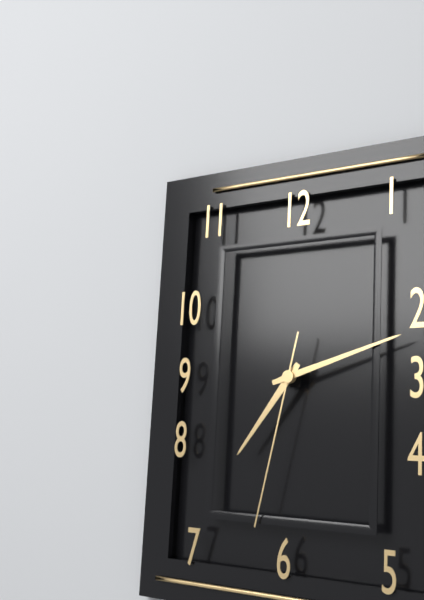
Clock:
{"hour": 7, "minute": 12, "second": 32}
